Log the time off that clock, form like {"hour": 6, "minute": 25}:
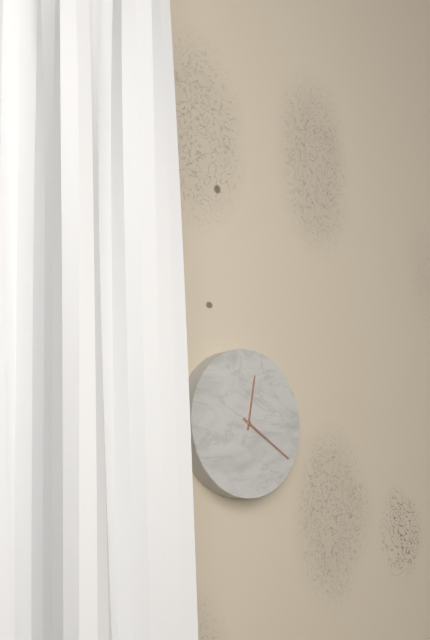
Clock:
{"hour": 12, "minute": 20}
